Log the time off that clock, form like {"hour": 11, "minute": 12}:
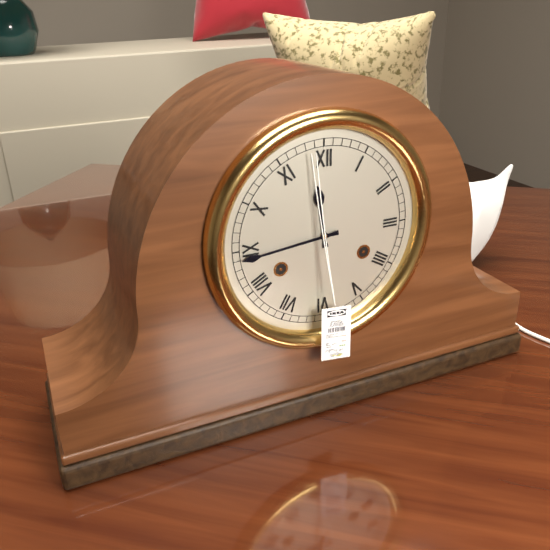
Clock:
{"hour": 11, "minute": 44}
